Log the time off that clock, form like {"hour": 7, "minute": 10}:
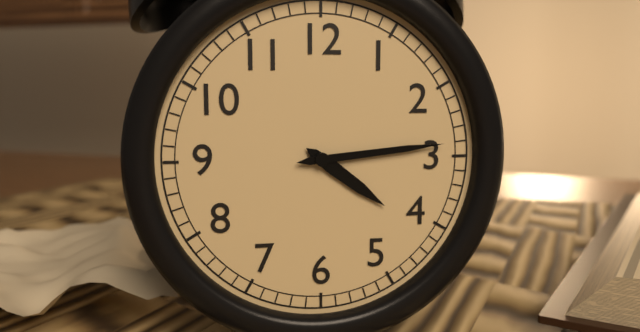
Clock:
{"hour": 4, "minute": 14}
